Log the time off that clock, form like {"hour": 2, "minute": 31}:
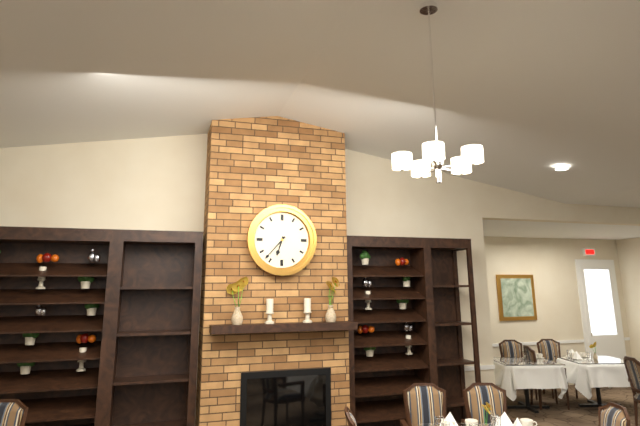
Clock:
{"hour": 6, "minute": 37}
